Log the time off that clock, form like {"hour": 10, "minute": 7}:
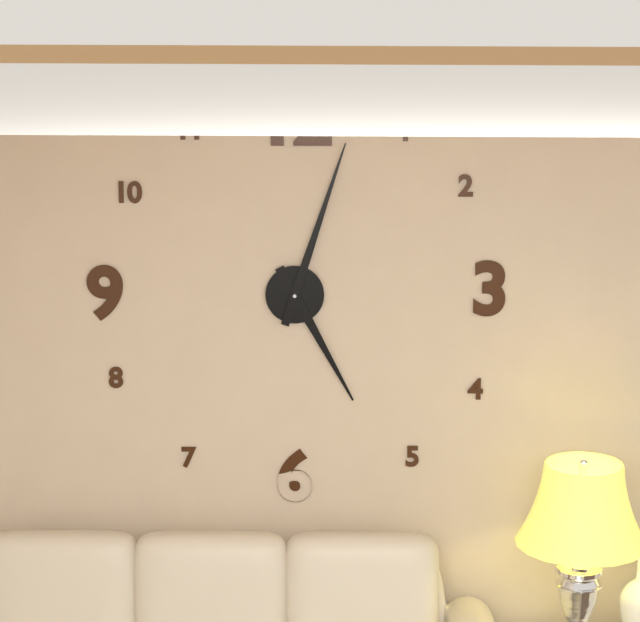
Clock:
{"hour": 5, "minute": 3}
